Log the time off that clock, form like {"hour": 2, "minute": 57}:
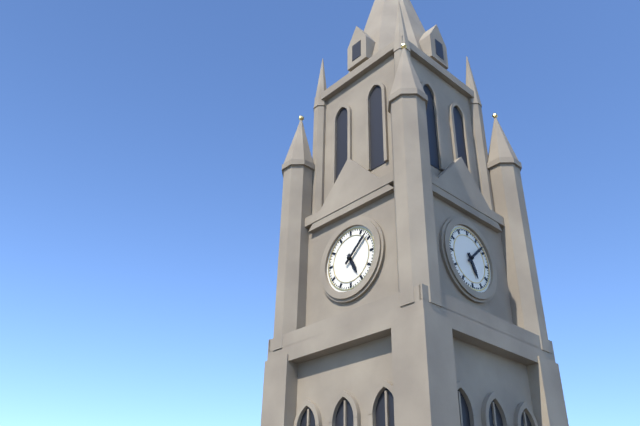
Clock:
{"hour": 5, "minute": 8}
